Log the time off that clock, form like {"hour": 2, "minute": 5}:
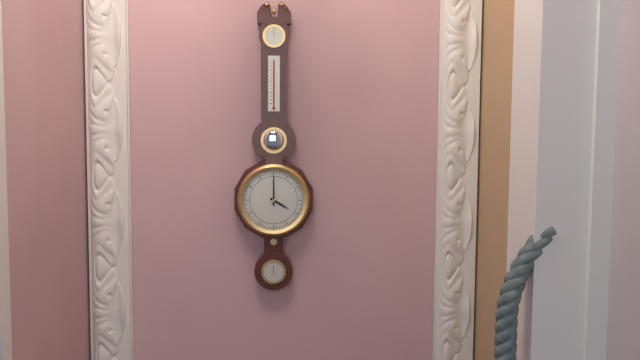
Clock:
{"hour": 4, "minute": 0}
